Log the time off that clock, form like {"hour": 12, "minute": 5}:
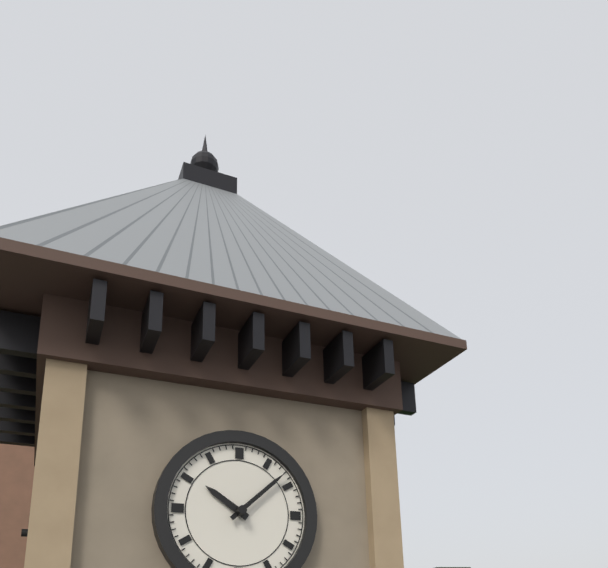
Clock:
{"hour": 10, "minute": 8}
